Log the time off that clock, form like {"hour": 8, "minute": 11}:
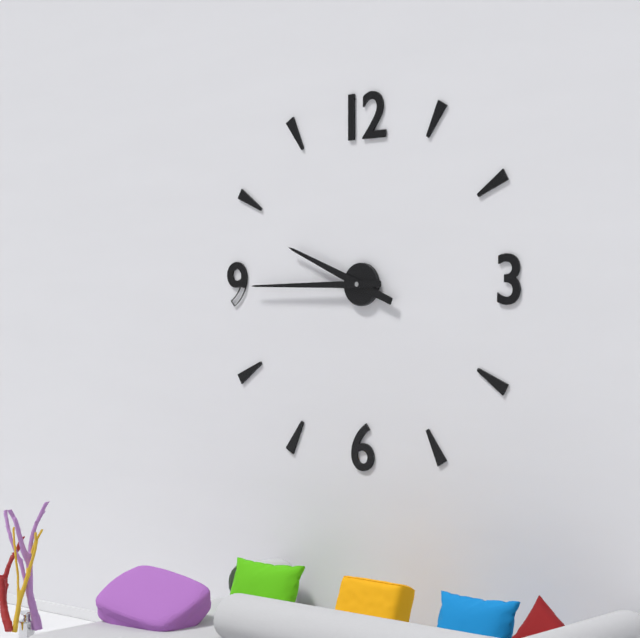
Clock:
{"hour": 9, "minute": 45}
